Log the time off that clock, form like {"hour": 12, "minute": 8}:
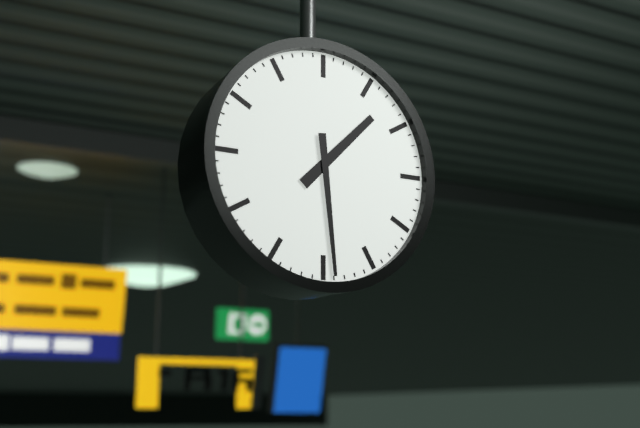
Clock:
{"hour": 1, "minute": 29}
